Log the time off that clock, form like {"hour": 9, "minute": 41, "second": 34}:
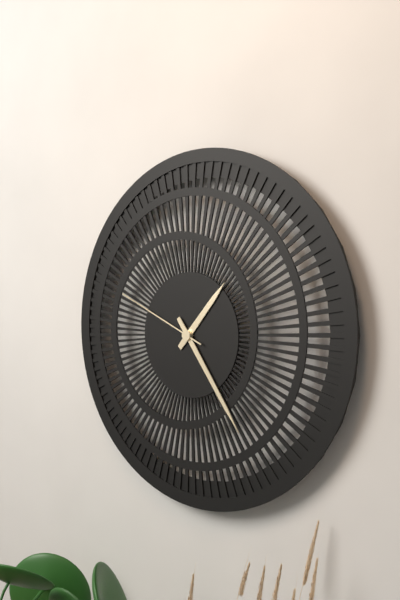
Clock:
{"hour": 1, "minute": 24, "second": 49}
